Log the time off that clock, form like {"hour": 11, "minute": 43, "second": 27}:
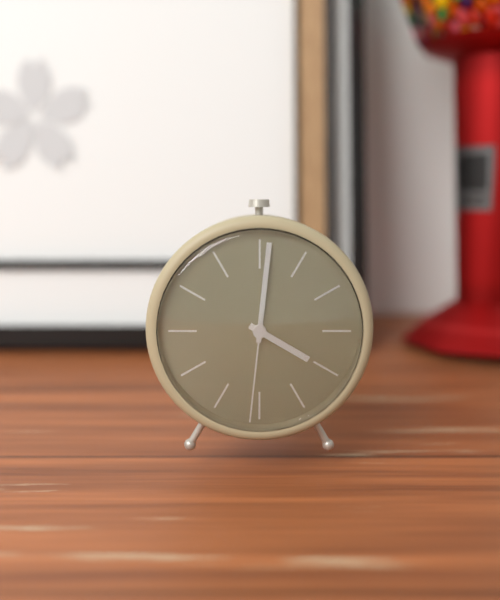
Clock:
{"hour": 4, "minute": 1, "second": 31}
